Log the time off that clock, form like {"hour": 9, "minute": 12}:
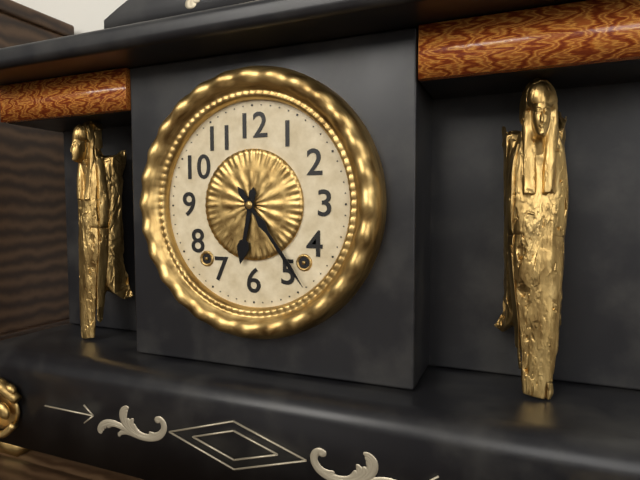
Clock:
{"hour": 6, "minute": 24}
